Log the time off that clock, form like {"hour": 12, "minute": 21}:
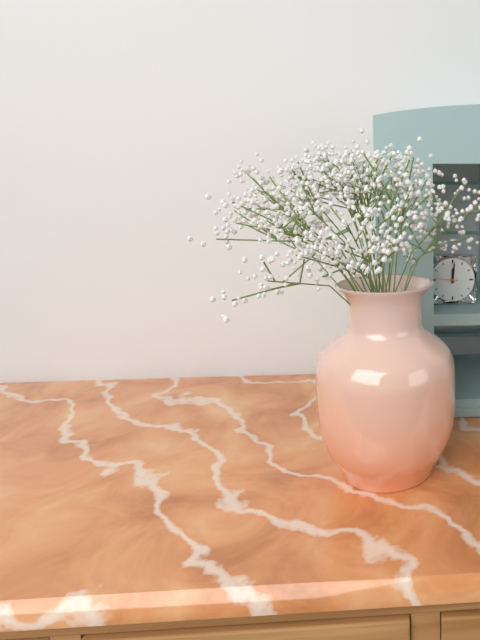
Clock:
{"hour": 12, "minute": 1}
